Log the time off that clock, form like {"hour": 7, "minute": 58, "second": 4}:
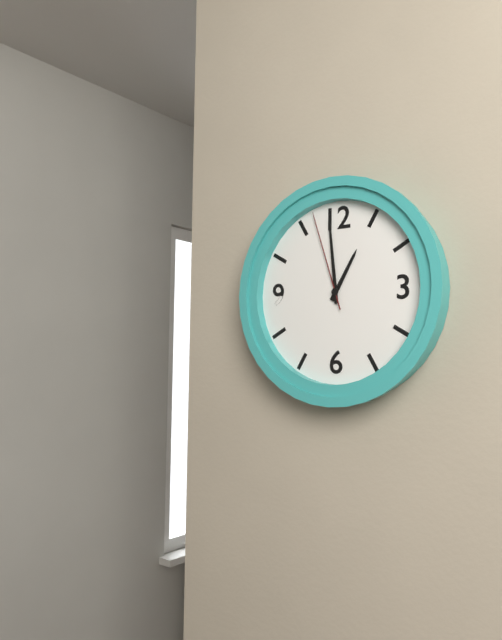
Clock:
{"hour": 12, "minute": 59, "second": 57}
